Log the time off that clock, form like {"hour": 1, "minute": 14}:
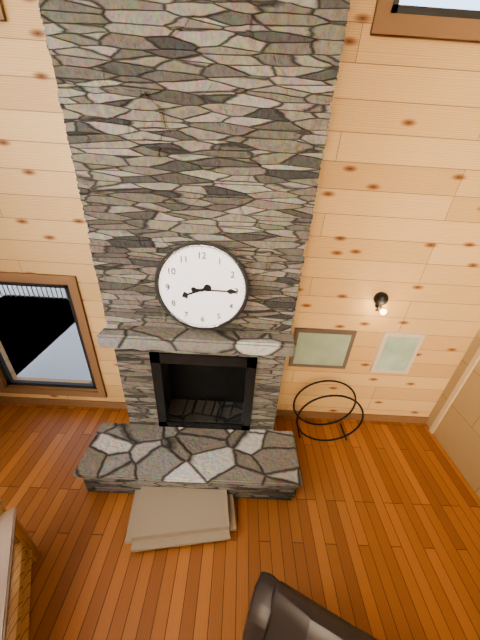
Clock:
{"hour": 8, "minute": 15}
